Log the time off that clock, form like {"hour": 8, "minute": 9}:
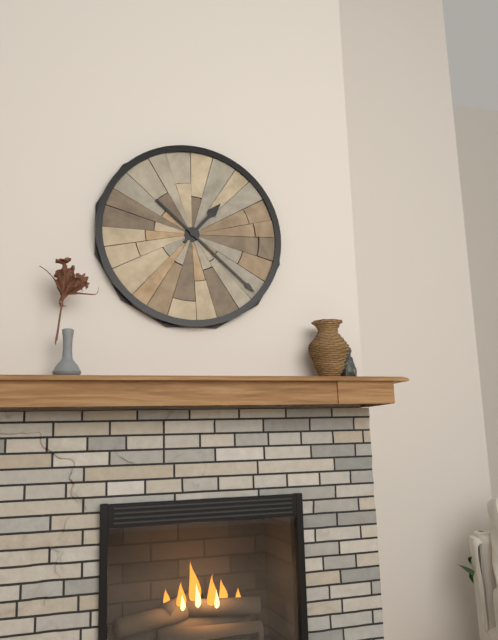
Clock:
{"hour": 1, "minute": 22}
